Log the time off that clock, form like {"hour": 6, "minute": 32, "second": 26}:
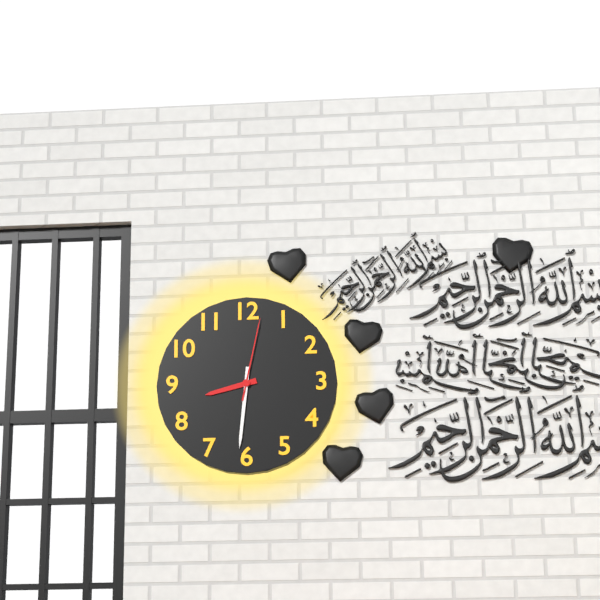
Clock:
{"hour": 8, "minute": 31, "second": 2}
